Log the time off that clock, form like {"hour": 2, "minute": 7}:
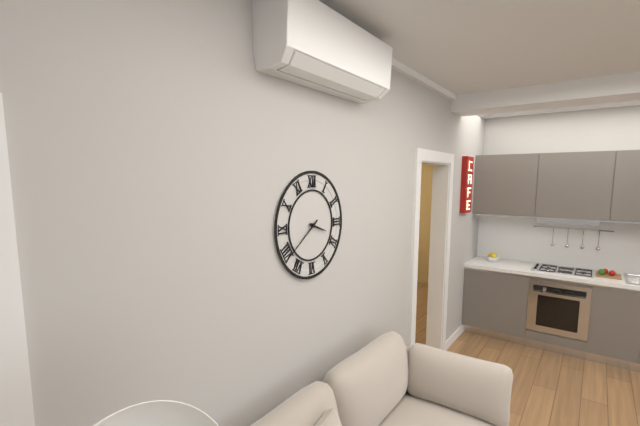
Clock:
{"hour": 3, "minute": 39}
